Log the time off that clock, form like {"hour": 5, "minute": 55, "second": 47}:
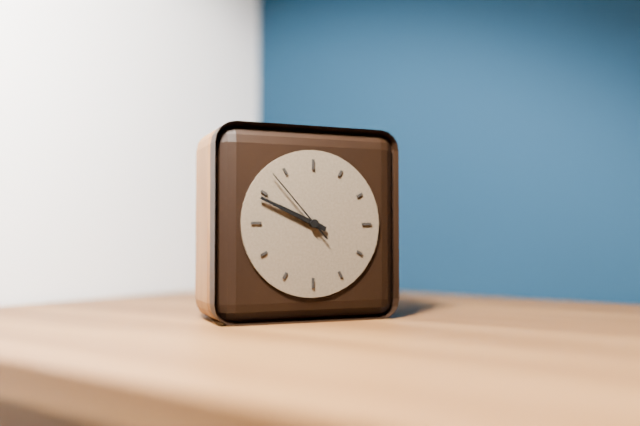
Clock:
{"hour": 9, "minute": 49, "second": 53}
